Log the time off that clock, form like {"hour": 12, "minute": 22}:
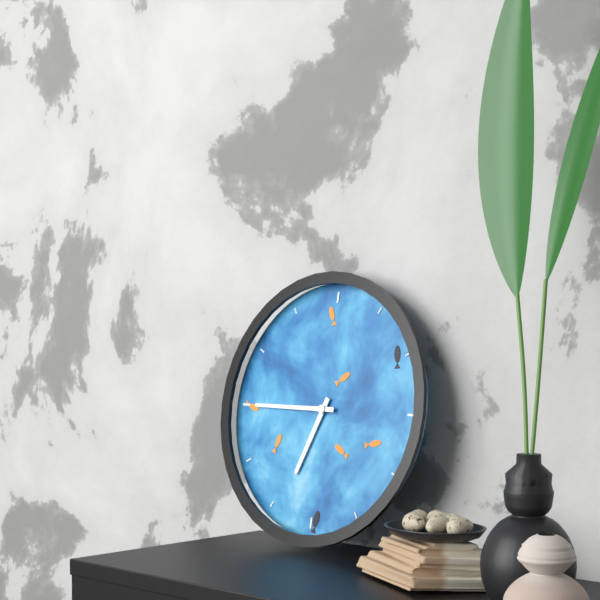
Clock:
{"hour": 6, "minute": 45}
